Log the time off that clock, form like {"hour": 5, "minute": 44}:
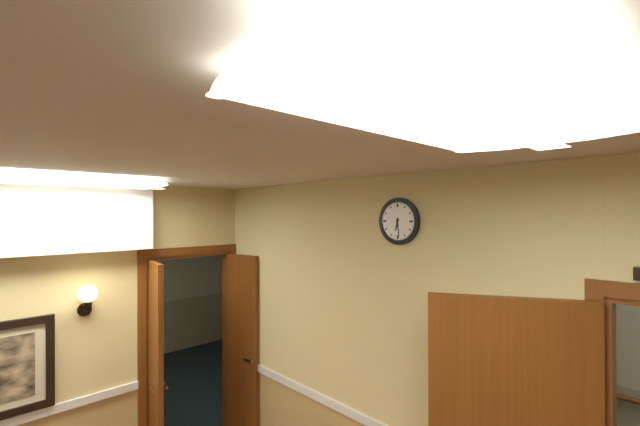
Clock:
{"hour": 6, "minute": 29}
